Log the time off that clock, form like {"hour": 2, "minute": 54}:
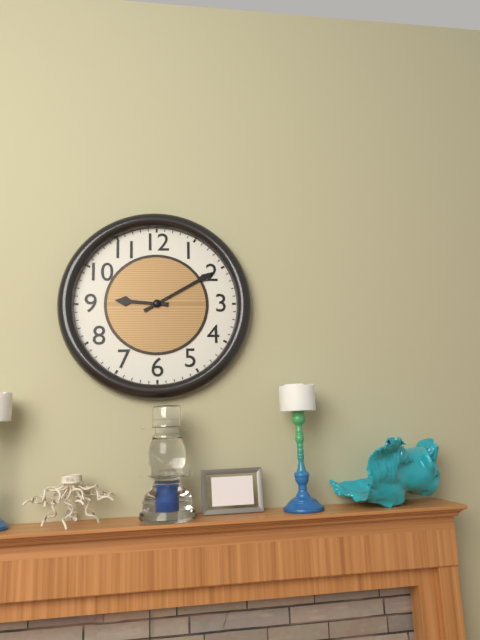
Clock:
{"hour": 9, "minute": 10}
